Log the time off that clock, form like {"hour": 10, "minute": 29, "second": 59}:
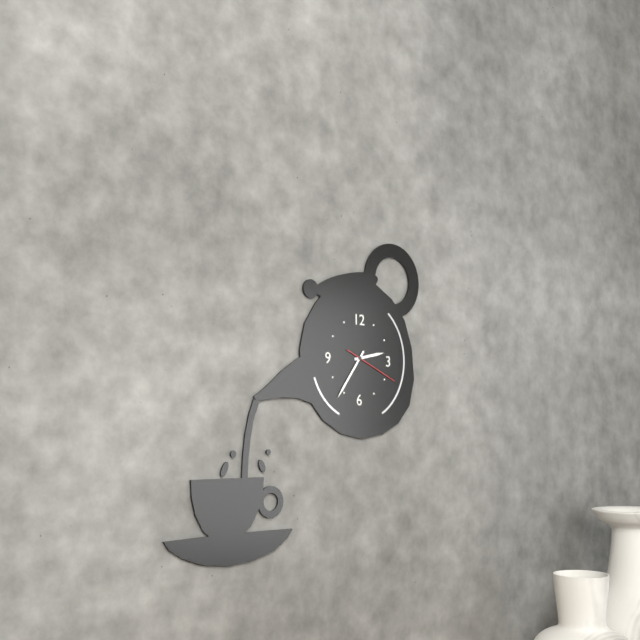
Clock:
{"hour": 2, "minute": 36, "second": 19}
